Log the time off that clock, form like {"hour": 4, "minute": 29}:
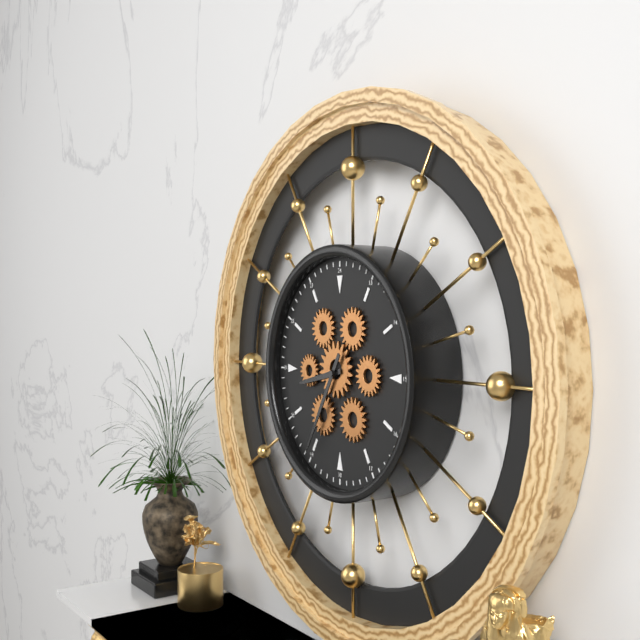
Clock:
{"hour": 8, "minute": 35}
